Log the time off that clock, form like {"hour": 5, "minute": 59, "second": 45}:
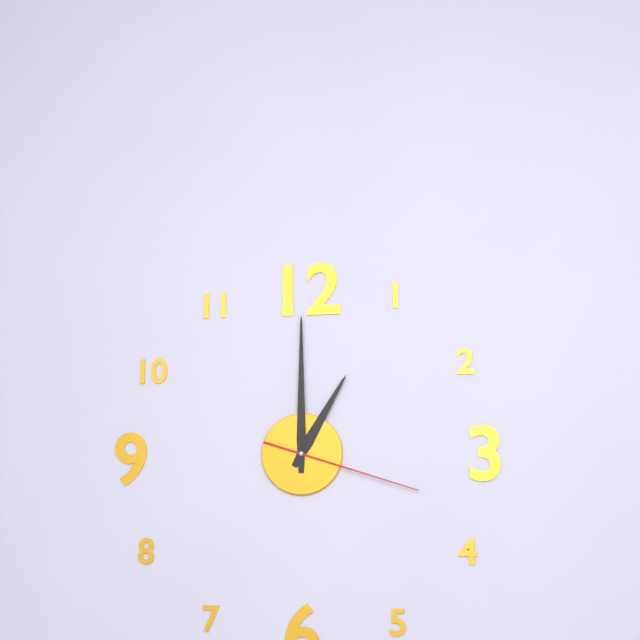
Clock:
{"hour": 1, "minute": 0, "second": 18}
